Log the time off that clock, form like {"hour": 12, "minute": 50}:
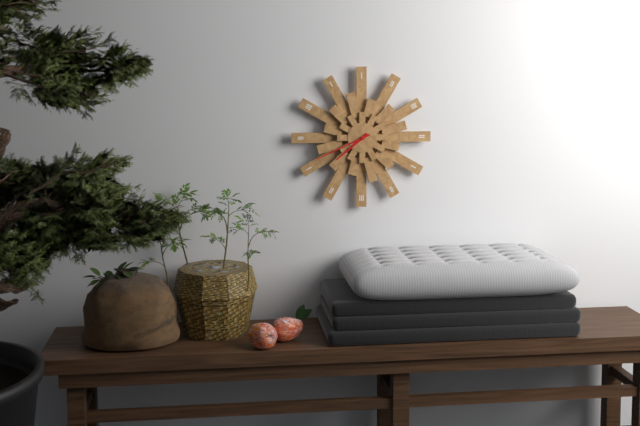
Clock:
{"hour": 7, "minute": 41}
